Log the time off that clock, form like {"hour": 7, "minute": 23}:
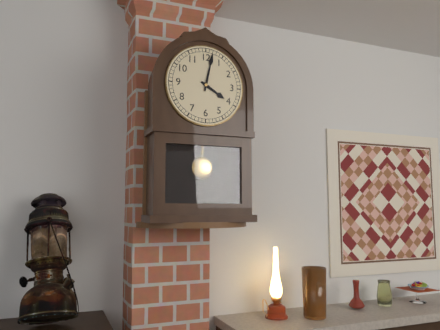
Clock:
{"hour": 4, "minute": 2}
